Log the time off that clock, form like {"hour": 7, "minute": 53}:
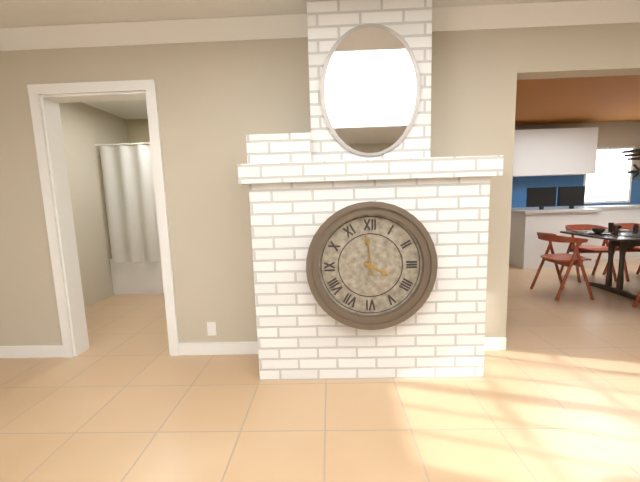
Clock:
{"hour": 3, "minute": 59}
